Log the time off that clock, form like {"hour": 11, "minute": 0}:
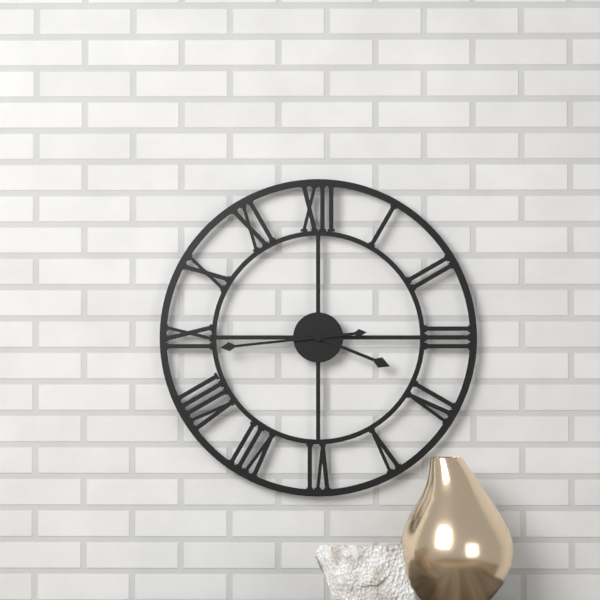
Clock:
{"hour": 3, "minute": 44}
